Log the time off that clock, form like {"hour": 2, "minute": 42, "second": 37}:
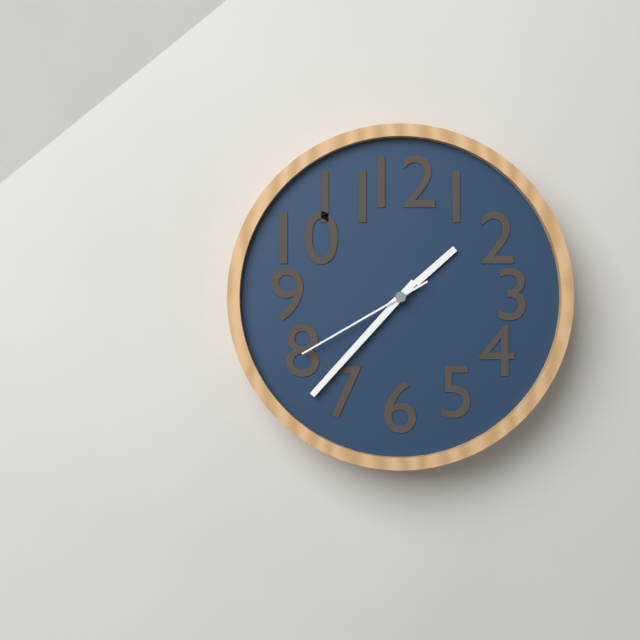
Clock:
{"hour": 1, "minute": 37, "second": 40}
